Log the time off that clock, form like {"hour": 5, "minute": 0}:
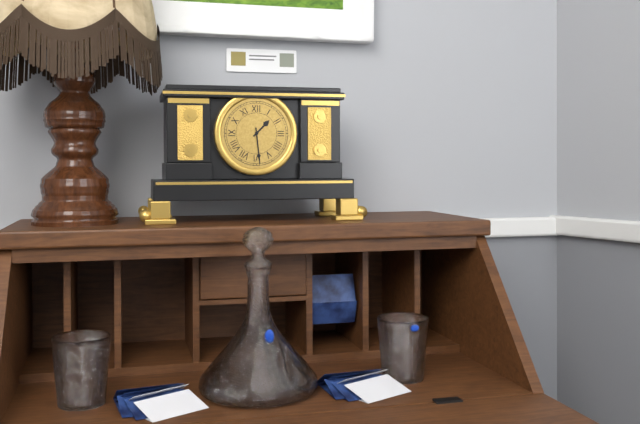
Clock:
{"hour": 1, "minute": 29}
